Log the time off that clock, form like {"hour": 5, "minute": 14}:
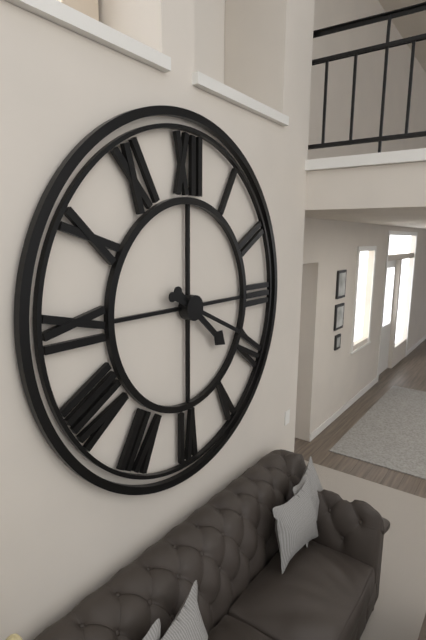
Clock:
{"hour": 4, "minute": 19}
